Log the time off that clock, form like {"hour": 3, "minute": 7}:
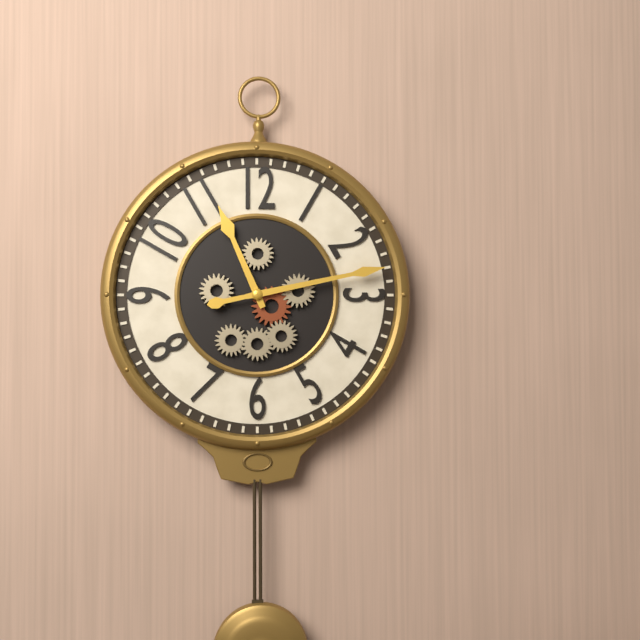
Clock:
{"hour": 11, "minute": 13}
